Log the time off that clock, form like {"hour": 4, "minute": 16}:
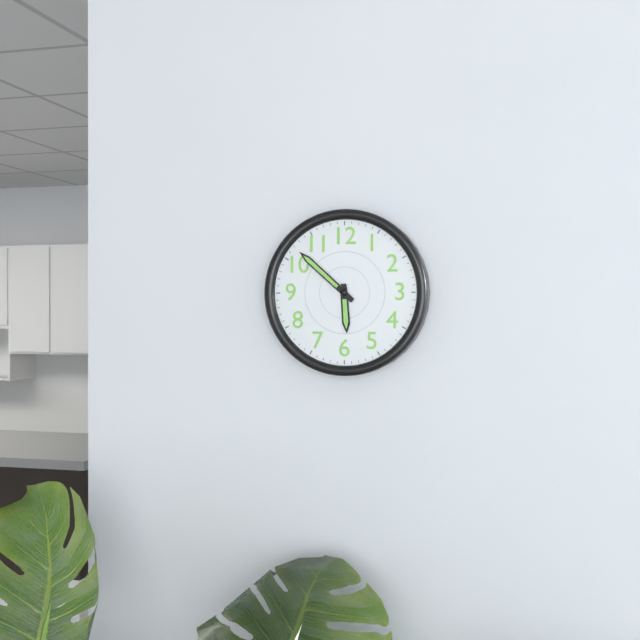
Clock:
{"hour": 5, "minute": 52}
